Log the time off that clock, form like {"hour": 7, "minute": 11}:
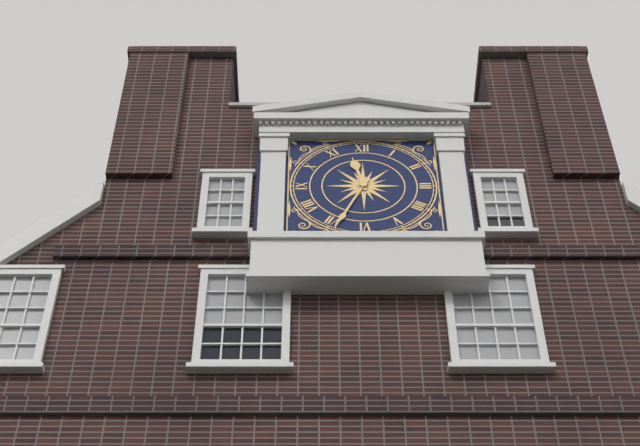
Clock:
{"hour": 11, "minute": 34}
